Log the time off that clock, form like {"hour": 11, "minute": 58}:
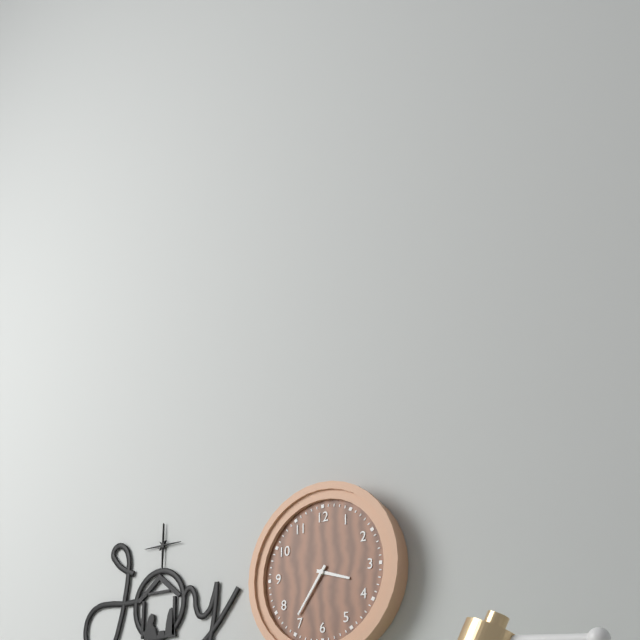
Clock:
{"hour": 3, "minute": 36}
